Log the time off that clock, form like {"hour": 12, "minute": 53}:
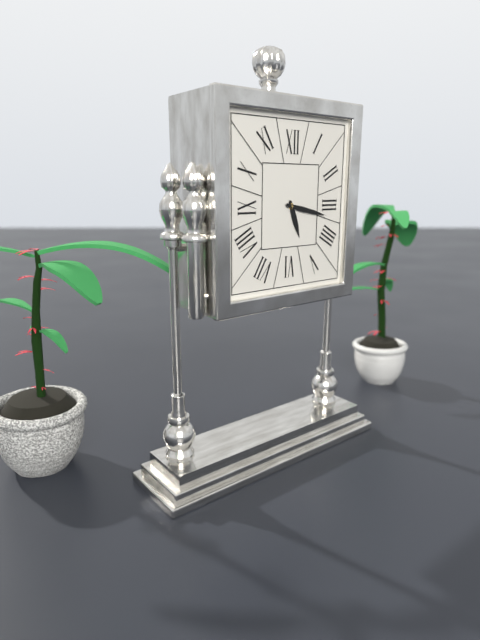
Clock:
{"hour": 5, "minute": 17}
